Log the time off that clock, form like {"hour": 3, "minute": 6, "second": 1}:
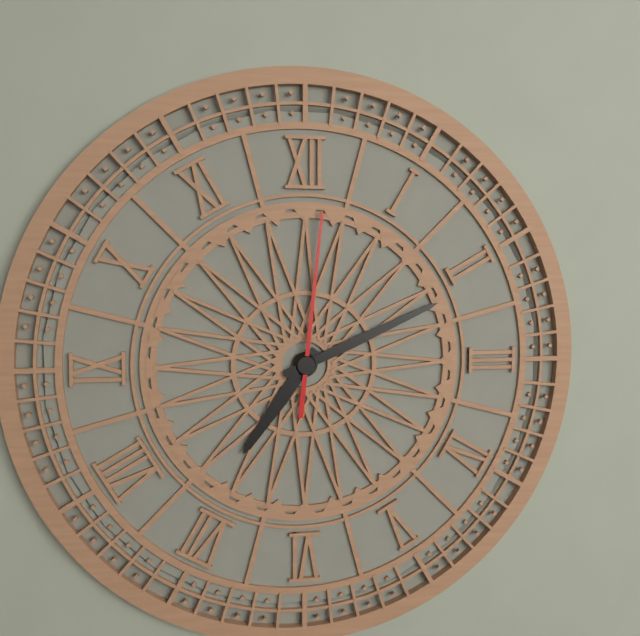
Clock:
{"hour": 7, "minute": 11, "second": 1}
